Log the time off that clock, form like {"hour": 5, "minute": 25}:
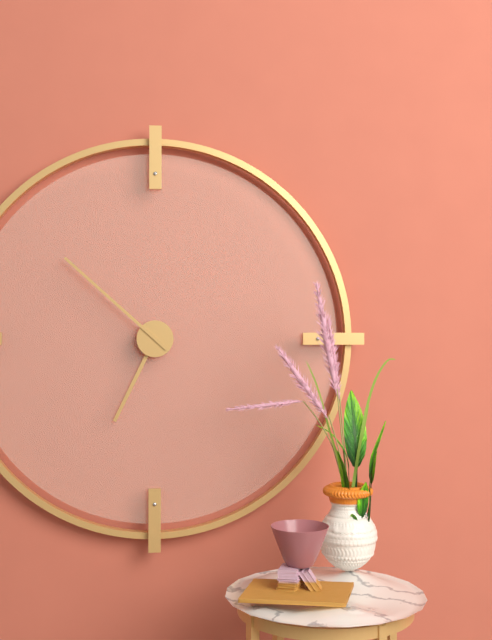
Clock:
{"hour": 6, "minute": 52}
